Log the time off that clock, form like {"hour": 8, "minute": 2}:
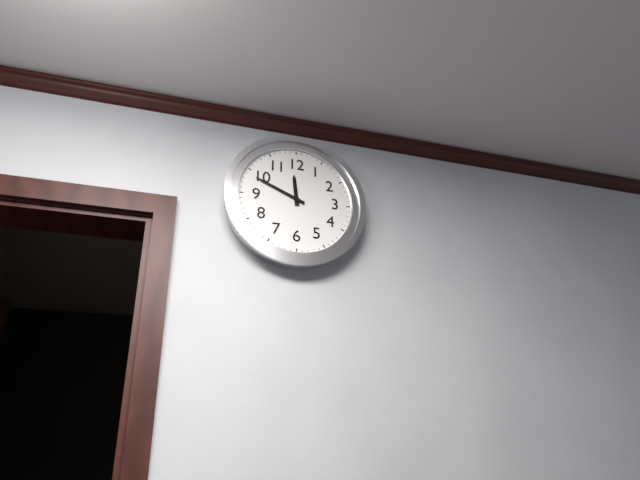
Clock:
{"hour": 11, "minute": 49}
